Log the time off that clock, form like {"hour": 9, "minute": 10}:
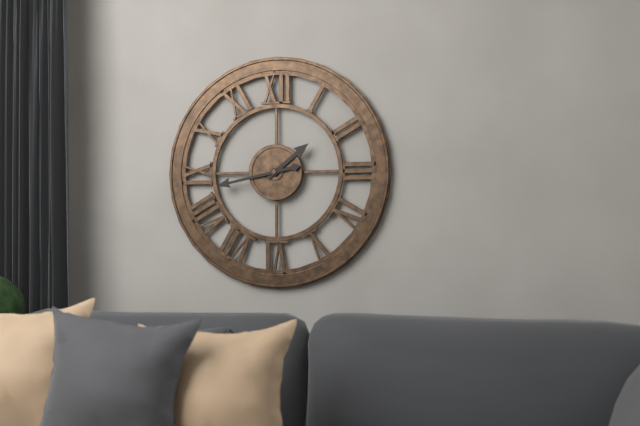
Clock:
{"hour": 1, "minute": 43}
